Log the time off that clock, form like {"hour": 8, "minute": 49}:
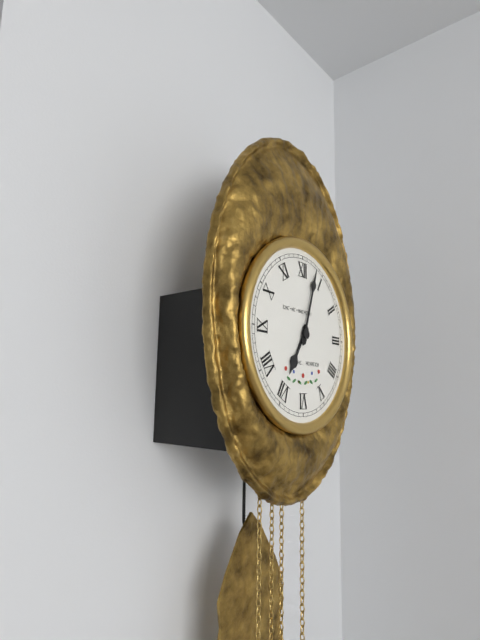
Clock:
{"hour": 7, "minute": 3}
